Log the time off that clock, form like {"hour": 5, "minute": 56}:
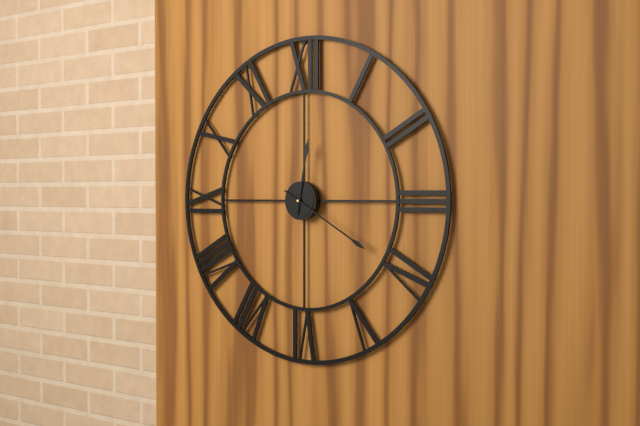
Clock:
{"hour": 12, "minute": 20}
